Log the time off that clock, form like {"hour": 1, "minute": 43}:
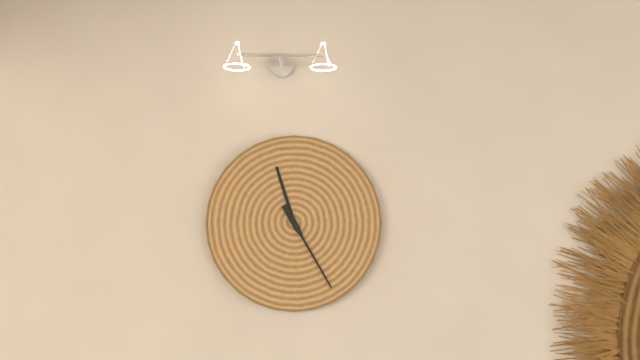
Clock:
{"hour": 11, "minute": 25}
